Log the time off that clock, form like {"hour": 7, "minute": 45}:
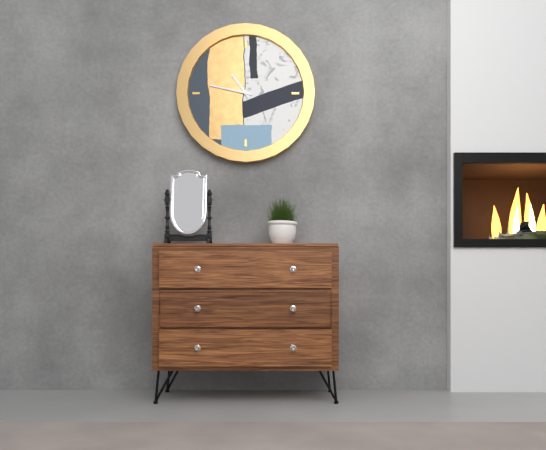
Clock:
{"hour": 10, "minute": 47}
